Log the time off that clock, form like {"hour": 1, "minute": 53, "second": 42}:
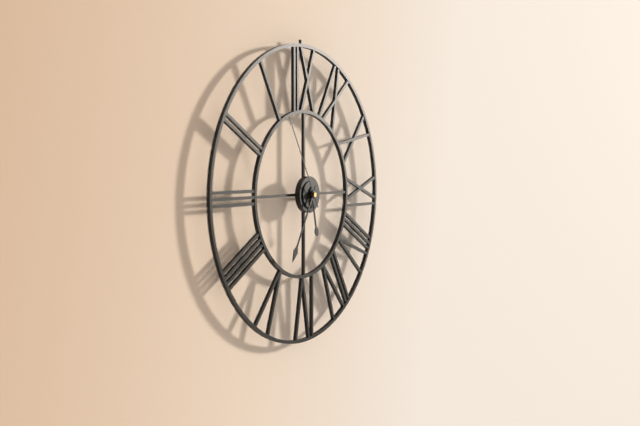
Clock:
{"hour": 5, "minute": 35, "second": 55}
